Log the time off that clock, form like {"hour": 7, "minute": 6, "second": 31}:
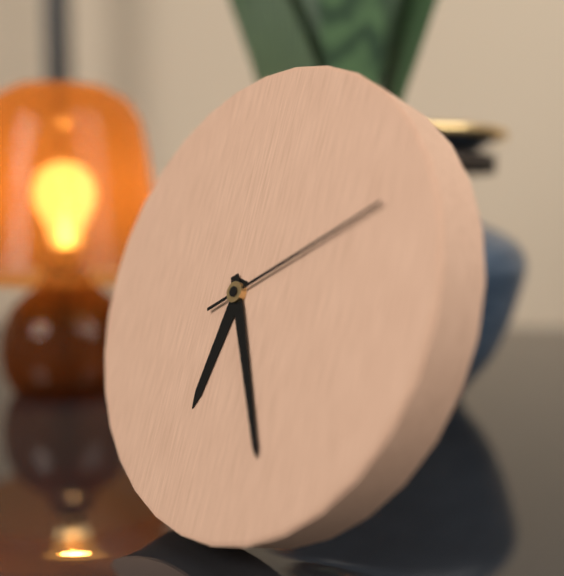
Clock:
{"hour": 6, "minute": 25, "second": 10}
